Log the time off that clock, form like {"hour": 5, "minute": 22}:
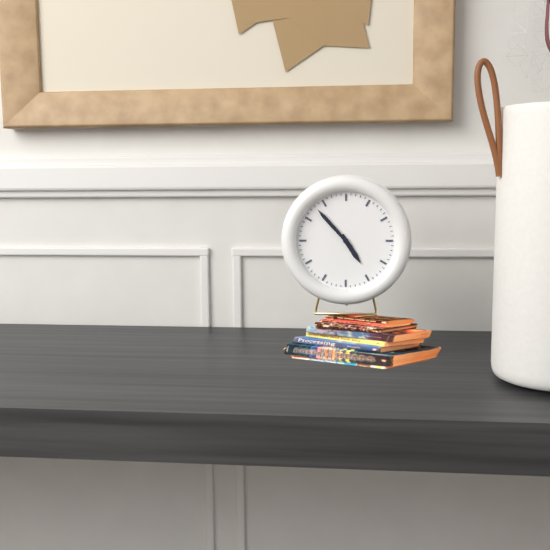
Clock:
{"hour": 4, "minute": 53}
